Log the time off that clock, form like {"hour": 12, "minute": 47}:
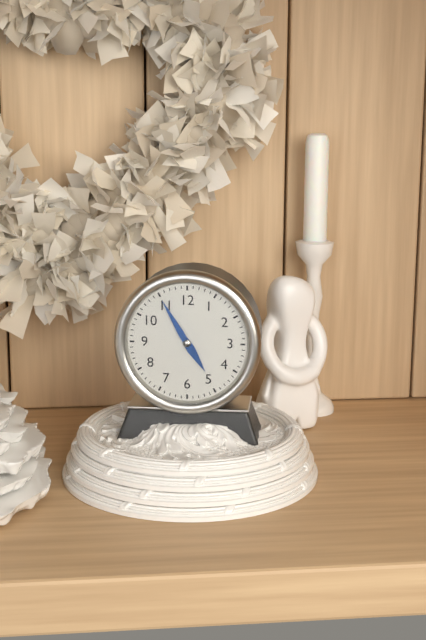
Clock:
{"hour": 4, "minute": 55}
